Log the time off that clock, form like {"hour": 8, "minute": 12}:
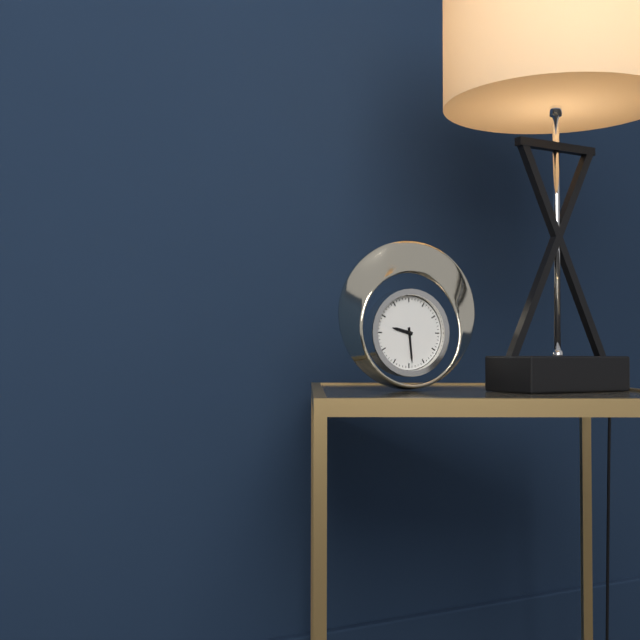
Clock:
{"hour": 9, "minute": 29}
